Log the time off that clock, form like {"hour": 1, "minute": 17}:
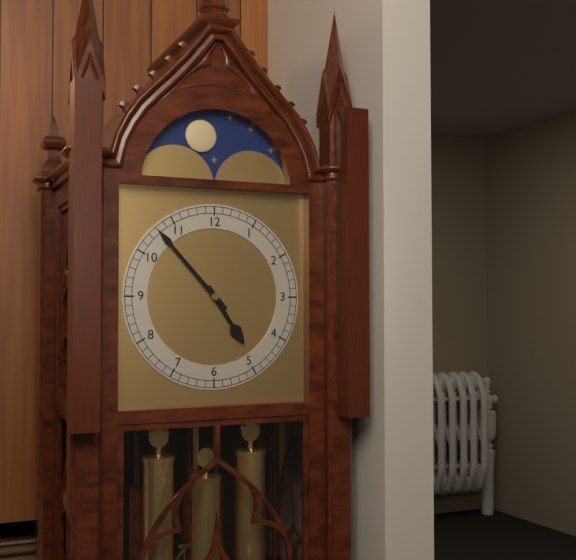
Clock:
{"hour": 4, "minute": 53}
